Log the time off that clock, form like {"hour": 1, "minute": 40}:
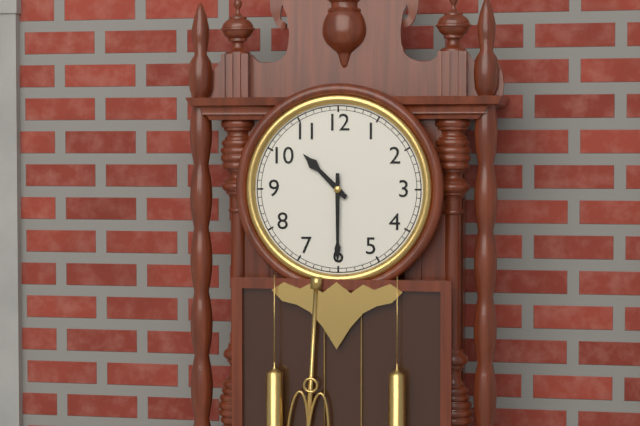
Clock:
{"hour": 10, "minute": 30}
